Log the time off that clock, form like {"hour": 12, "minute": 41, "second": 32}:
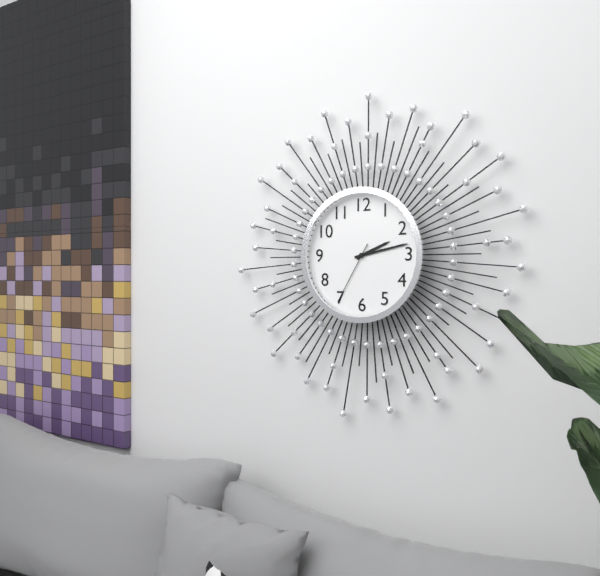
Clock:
{"hour": 2, "minute": 13, "second": 35}
